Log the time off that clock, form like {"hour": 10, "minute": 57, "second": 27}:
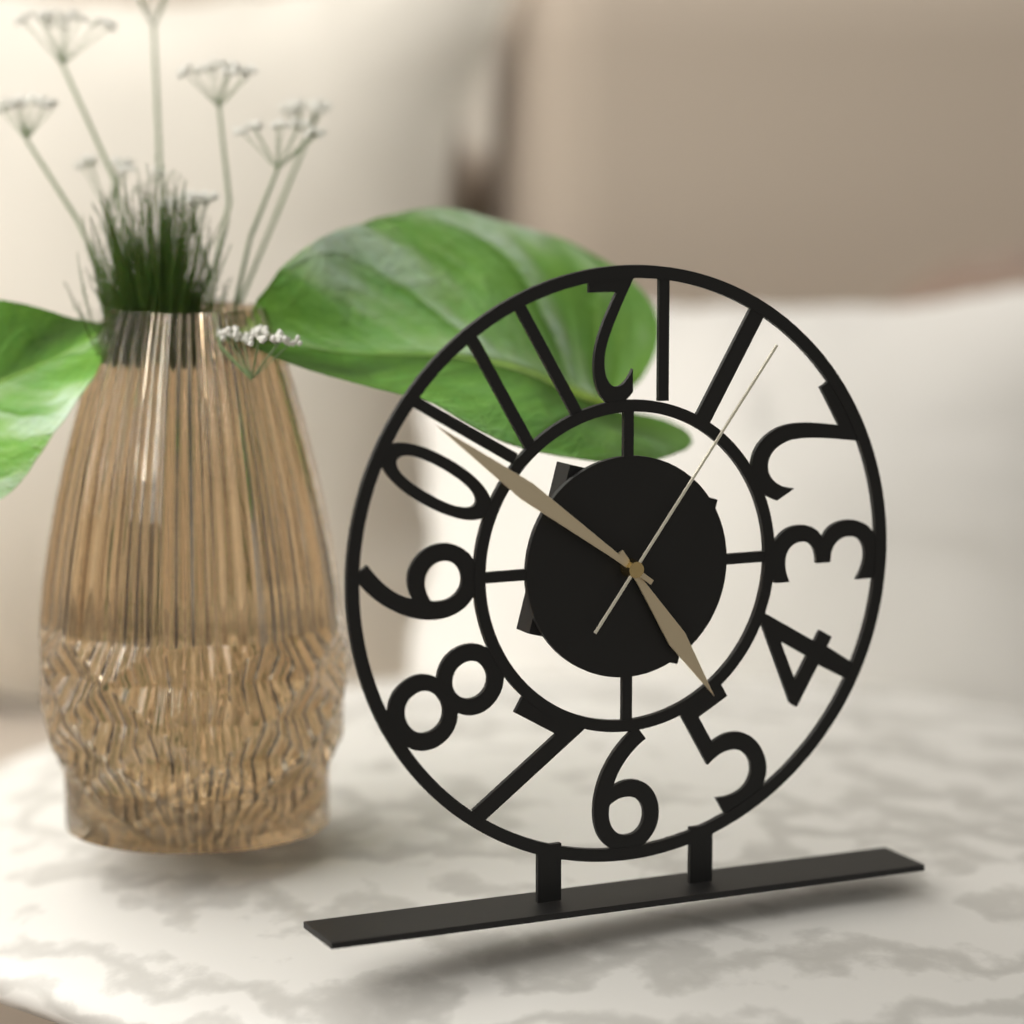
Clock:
{"hour": 4, "minute": 51, "second": 6}
